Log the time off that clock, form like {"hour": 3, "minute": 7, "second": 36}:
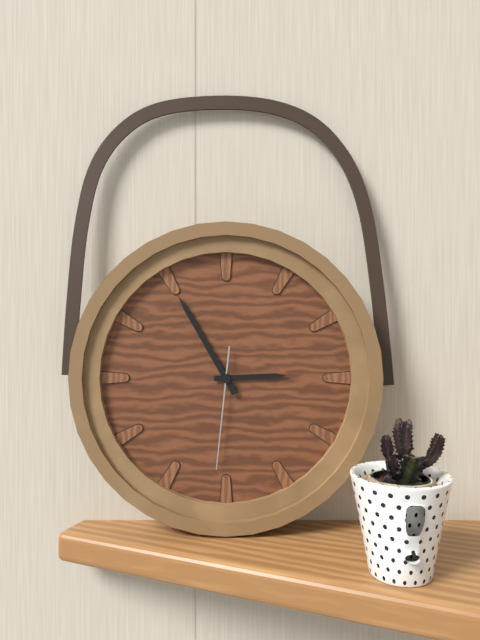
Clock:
{"hour": 2, "minute": 55, "second": 31}
